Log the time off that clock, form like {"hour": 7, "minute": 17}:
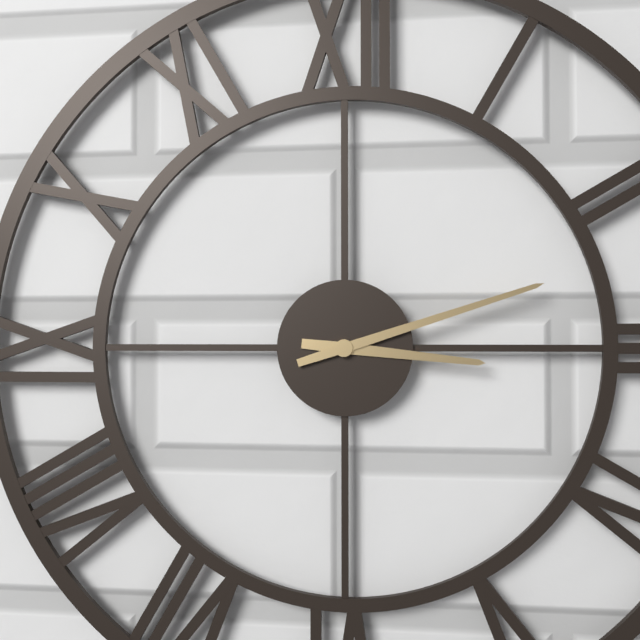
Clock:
{"hour": 3, "minute": 12}
